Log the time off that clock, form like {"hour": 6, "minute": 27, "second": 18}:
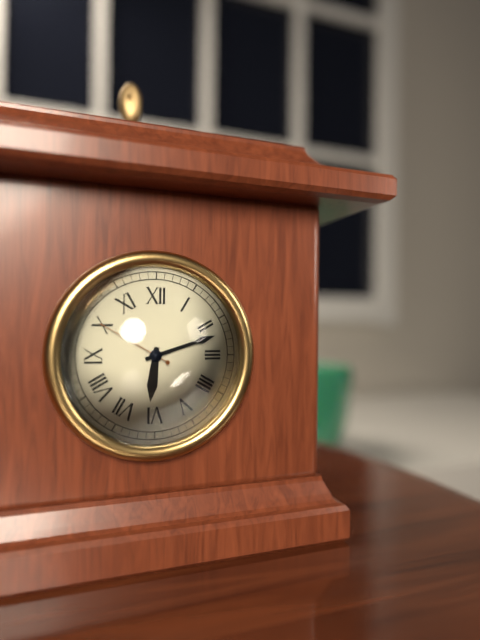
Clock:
{"hour": 6, "minute": 12, "second": 50}
